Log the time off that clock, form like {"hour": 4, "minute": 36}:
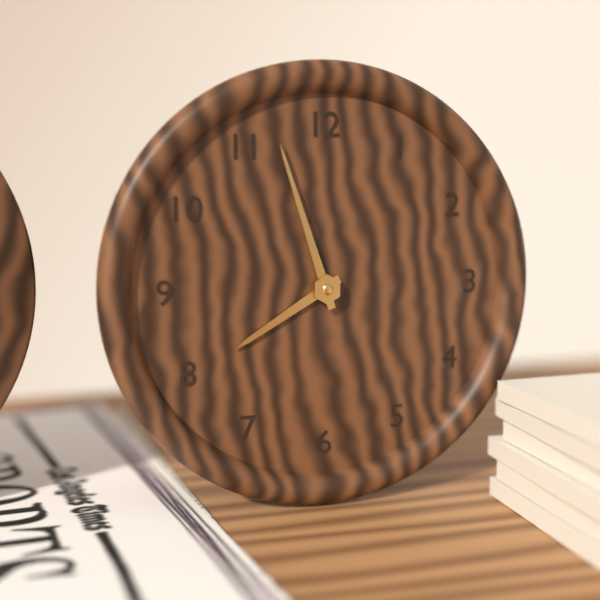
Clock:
{"hour": 7, "minute": 57}
